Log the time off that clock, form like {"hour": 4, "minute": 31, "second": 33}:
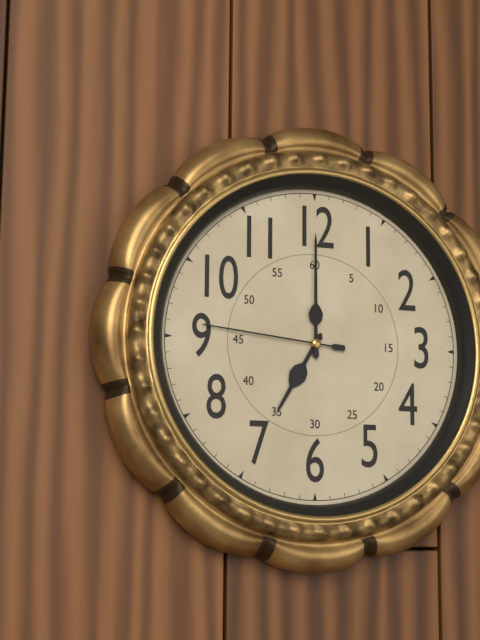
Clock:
{"hour": 7, "minute": 0, "second": 46}
